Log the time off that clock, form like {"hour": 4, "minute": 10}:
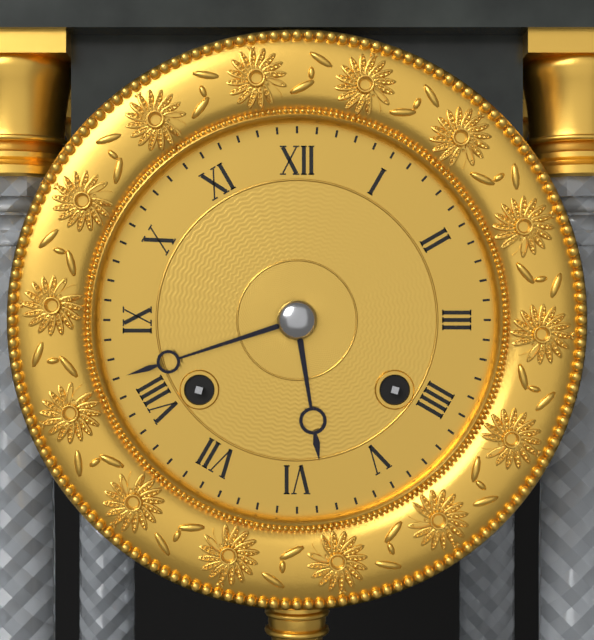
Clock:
{"hour": 5, "minute": 42}
